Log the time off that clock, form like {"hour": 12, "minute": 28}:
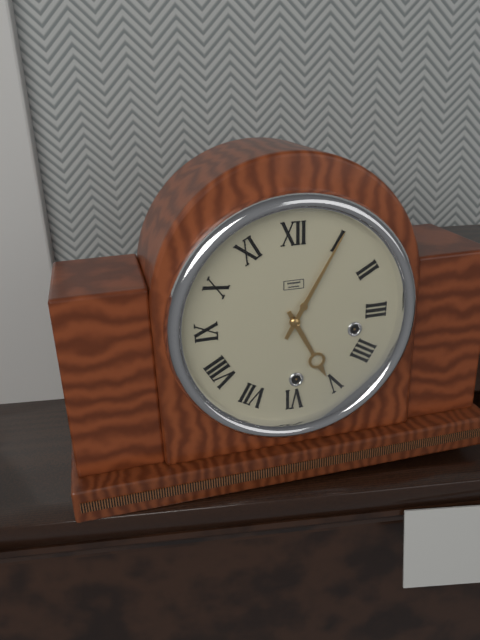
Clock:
{"hour": 5, "minute": 5}
